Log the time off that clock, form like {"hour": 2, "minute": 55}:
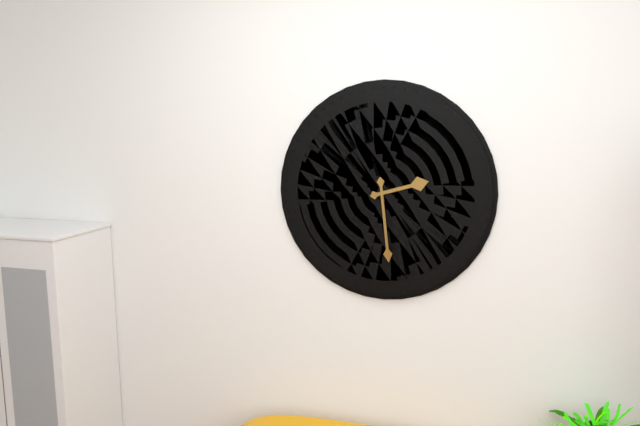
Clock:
{"hour": 2, "minute": 29}
